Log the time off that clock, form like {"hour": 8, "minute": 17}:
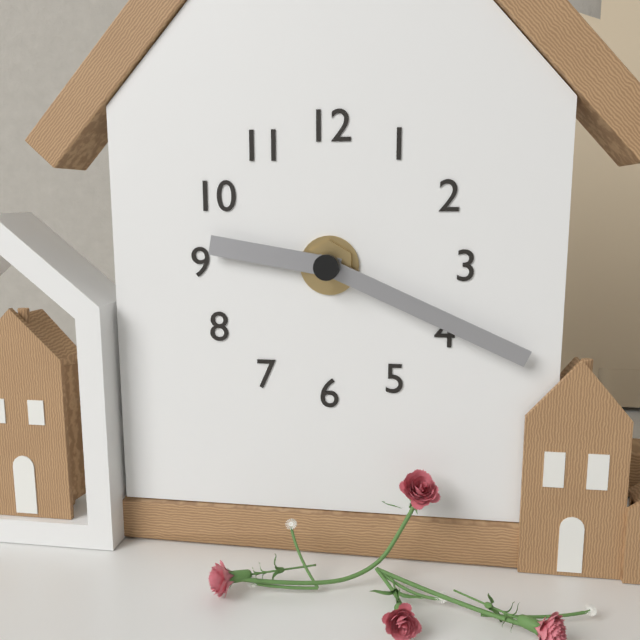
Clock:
{"hour": 9, "minute": 19}
